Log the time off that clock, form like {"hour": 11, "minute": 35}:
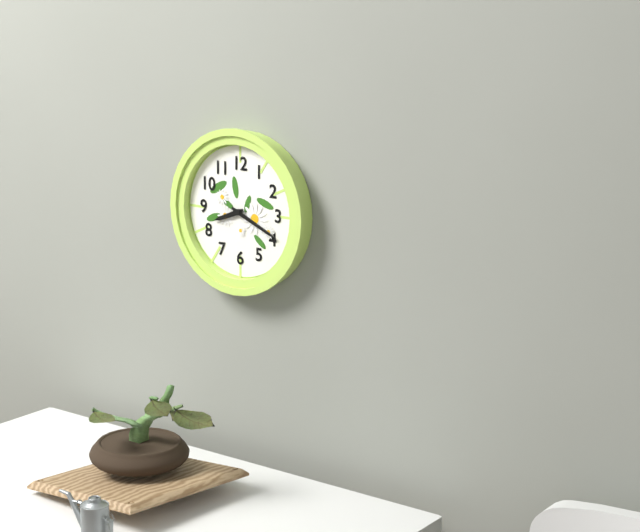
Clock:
{"hour": 8, "minute": 19}
